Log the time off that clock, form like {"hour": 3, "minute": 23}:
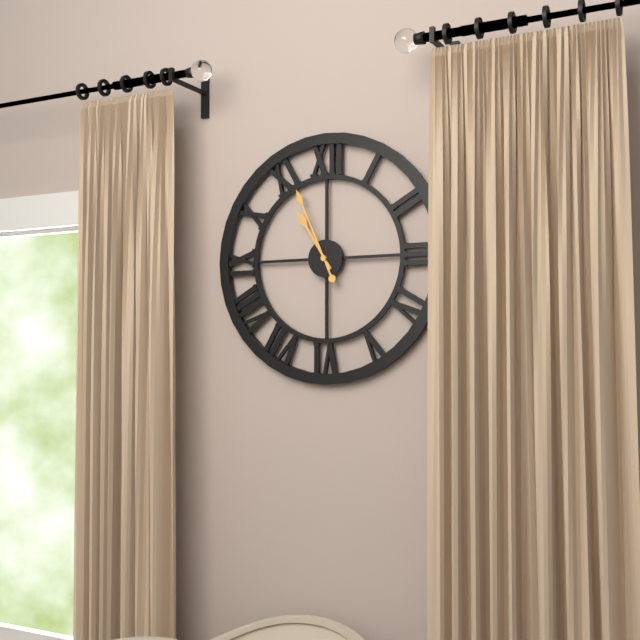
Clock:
{"hour": 10, "minute": 56}
